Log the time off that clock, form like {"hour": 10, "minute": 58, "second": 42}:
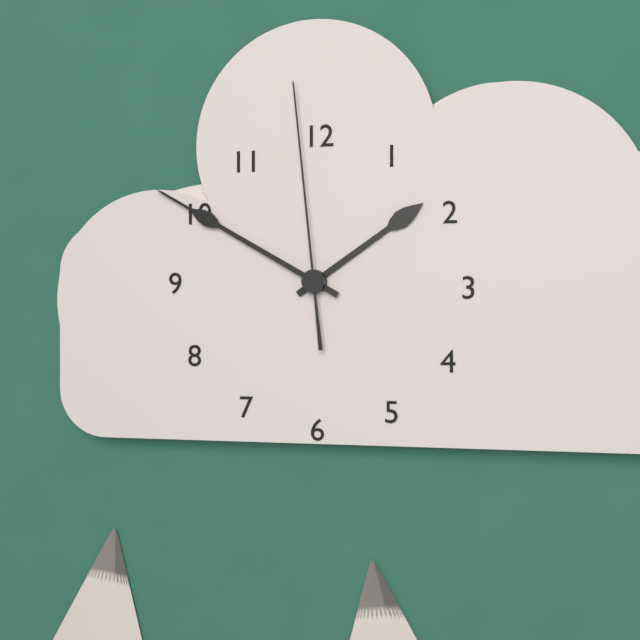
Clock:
{"hour": 1, "minute": 50, "second": 59}
